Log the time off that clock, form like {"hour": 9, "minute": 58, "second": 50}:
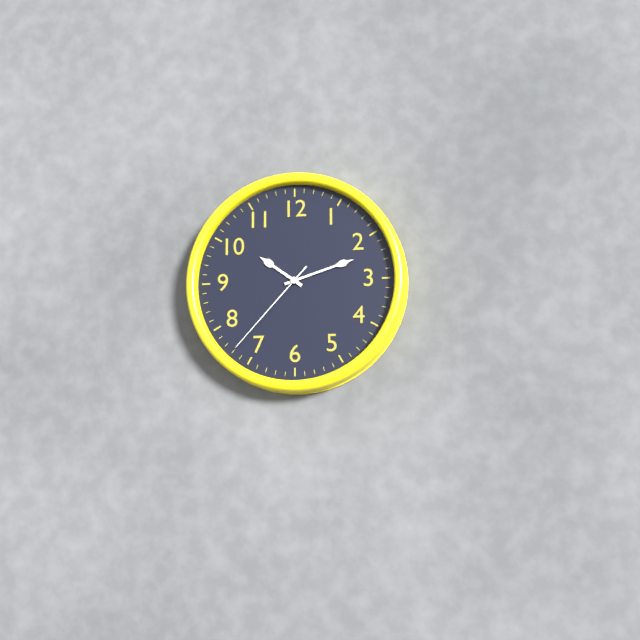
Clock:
{"hour": 10, "minute": 12, "second": 37}
